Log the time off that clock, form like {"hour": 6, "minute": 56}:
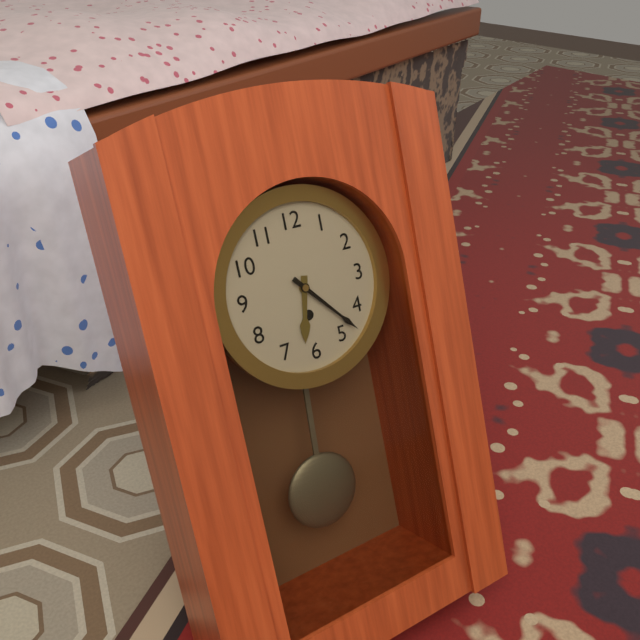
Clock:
{"hour": 6, "minute": 23}
